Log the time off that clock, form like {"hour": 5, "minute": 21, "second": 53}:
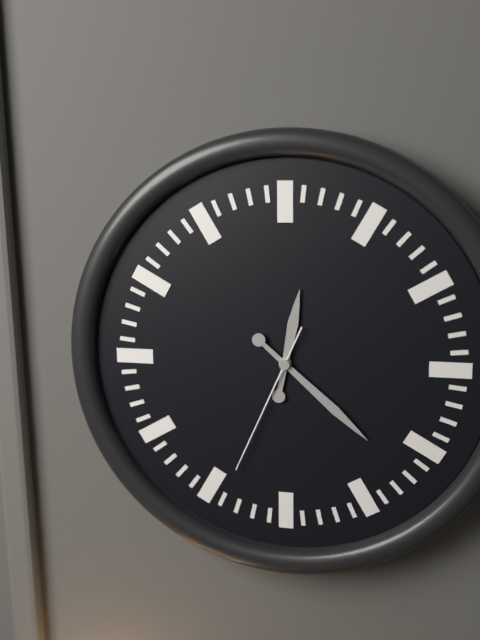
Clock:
{"hour": 12, "minute": 22, "second": 34}
